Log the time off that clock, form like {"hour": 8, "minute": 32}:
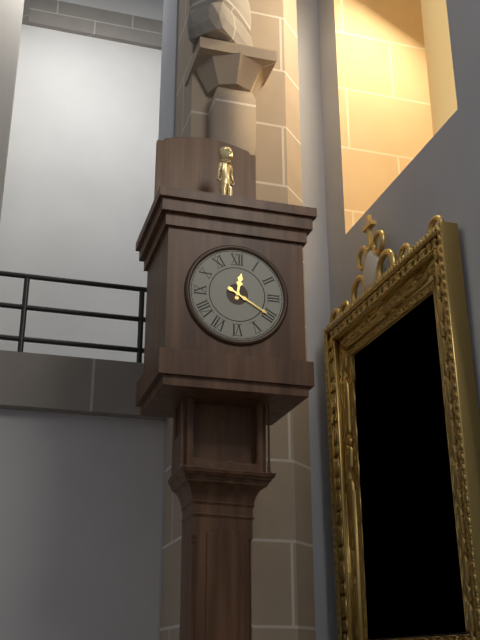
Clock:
{"hour": 12, "minute": 20}
